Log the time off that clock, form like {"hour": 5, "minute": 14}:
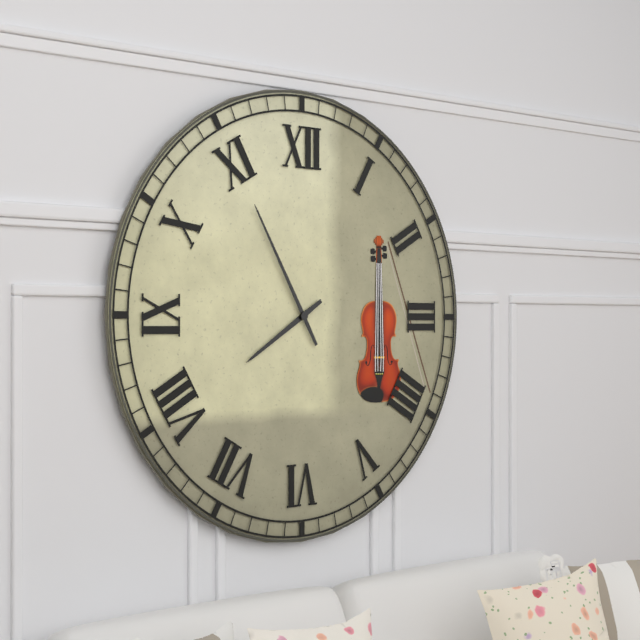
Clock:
{"hour": 7, "minute": 55}
